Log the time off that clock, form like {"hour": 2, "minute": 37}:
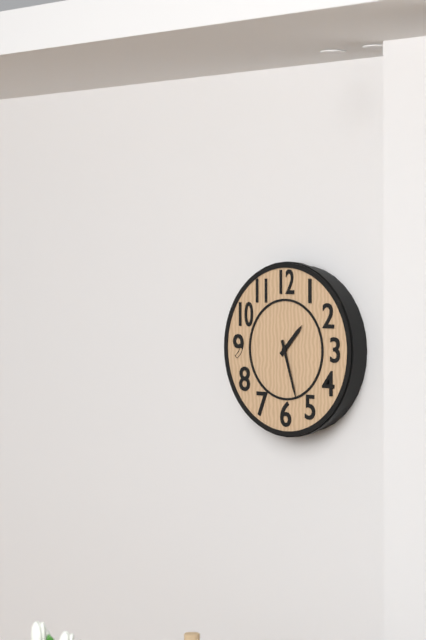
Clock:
{"hour": 1, "minute": 27}
